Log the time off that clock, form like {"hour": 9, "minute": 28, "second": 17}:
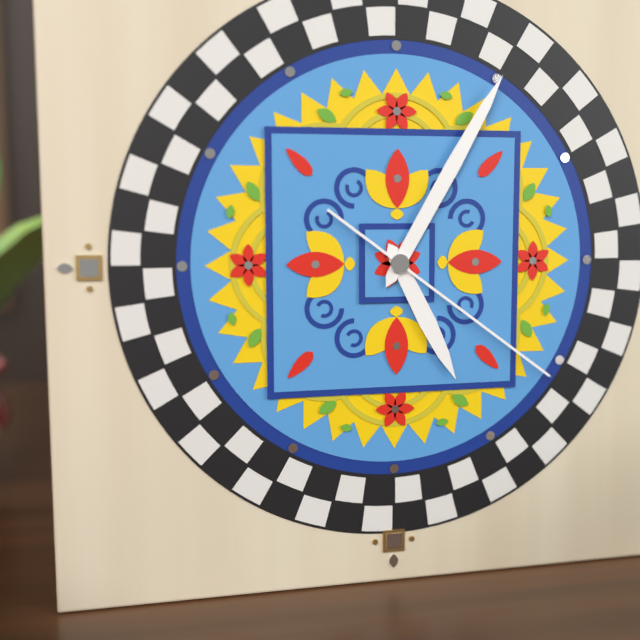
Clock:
{"hour": 5, "minute": 5, "second": 21}
